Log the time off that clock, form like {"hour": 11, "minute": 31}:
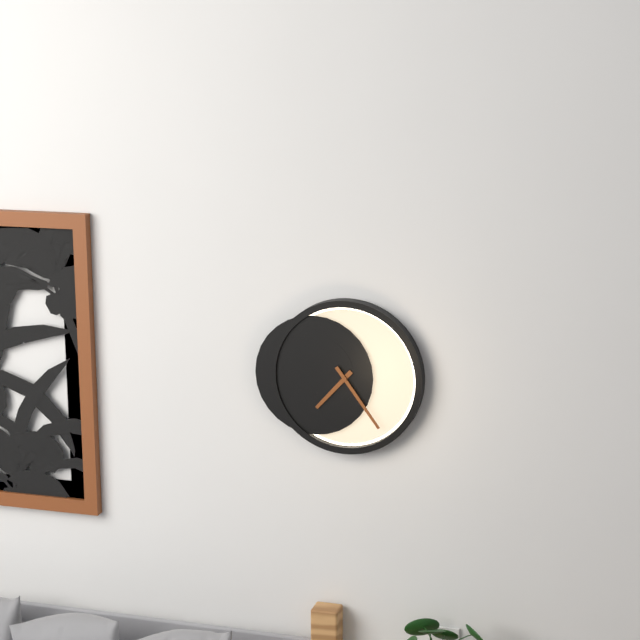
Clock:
{"hour": 7, "minute": 24}
